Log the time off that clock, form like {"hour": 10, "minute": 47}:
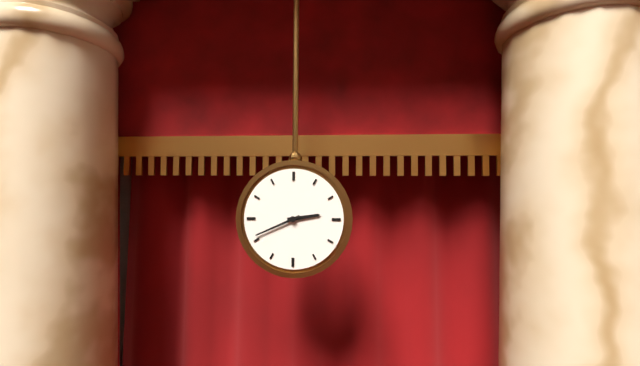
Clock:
{"hour": 2, "minute": 41}
